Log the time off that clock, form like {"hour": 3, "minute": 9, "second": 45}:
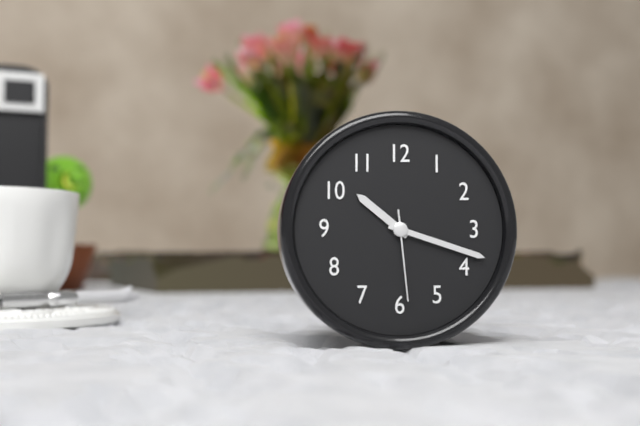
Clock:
{"hour": 10, "minute": 18, "second": 29}
